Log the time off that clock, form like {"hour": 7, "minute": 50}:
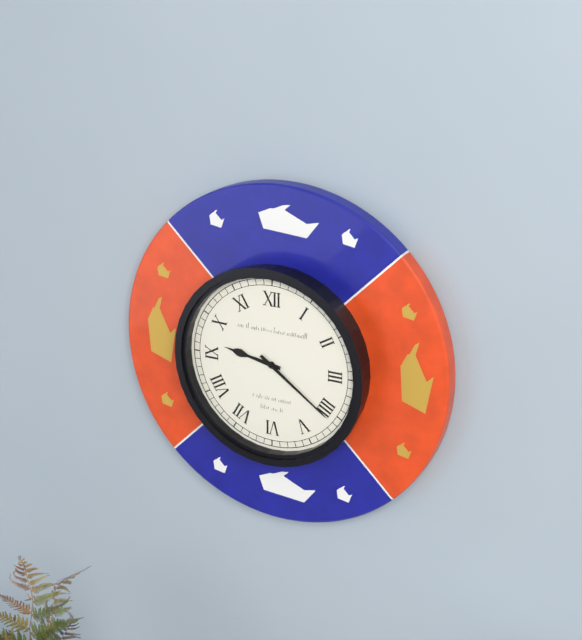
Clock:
{"hour": 9, "minute": 21}
